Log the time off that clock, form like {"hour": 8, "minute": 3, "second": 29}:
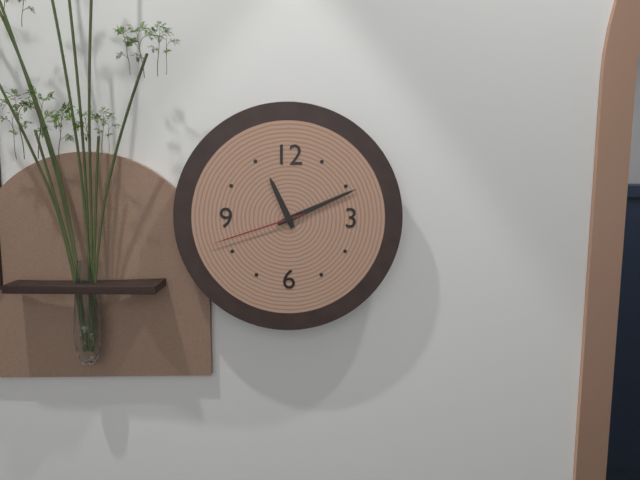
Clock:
{"hour": 11, "minute": 11, "second": 42}
